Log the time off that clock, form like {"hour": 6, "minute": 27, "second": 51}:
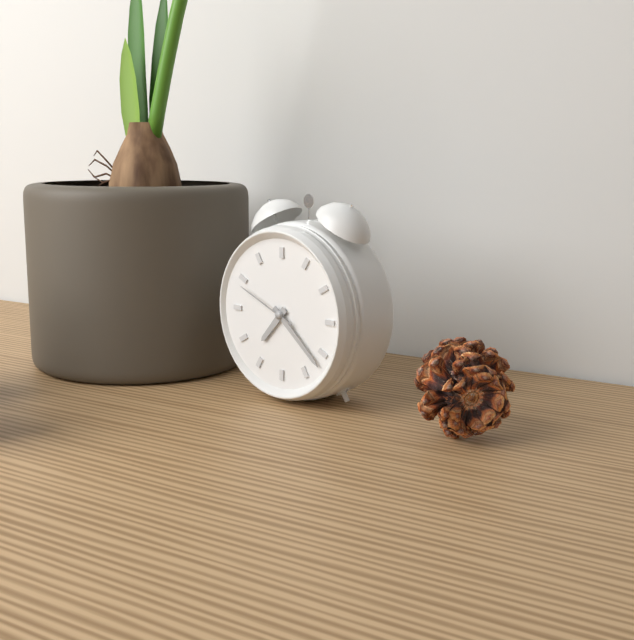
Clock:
{"hour": 7, "minute": 22, "second": 49}
